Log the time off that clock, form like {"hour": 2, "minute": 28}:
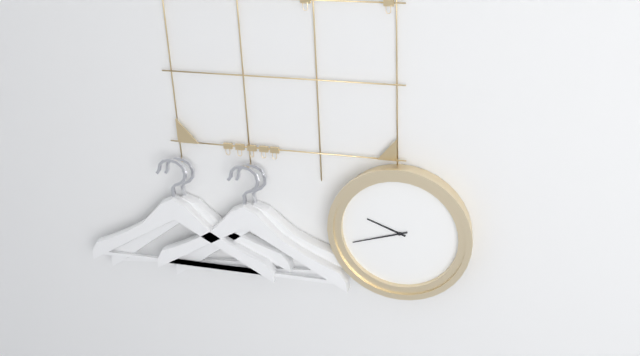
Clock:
{"hour": 9, "minute": 42}
